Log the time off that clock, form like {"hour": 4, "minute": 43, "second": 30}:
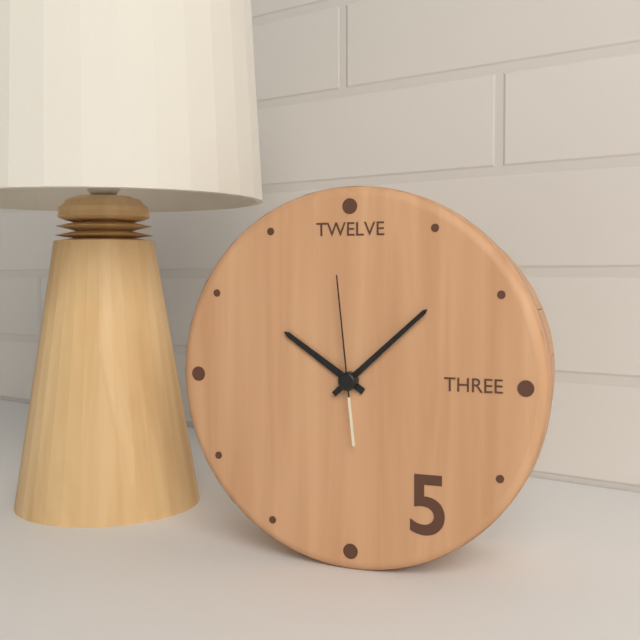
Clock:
{"hour": 10, "minute": 8, "second": 59}
